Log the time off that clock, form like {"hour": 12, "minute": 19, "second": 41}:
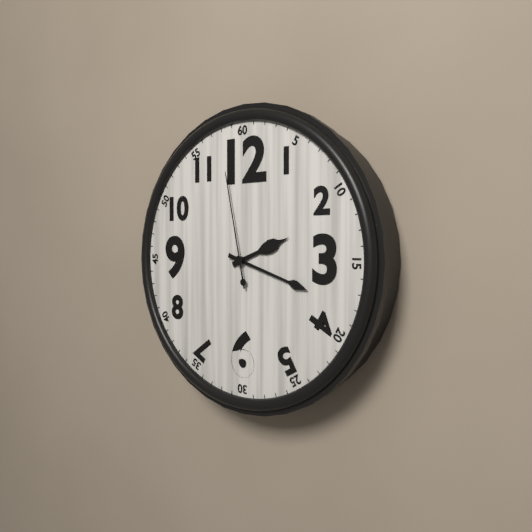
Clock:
{"hour": 2, "minute": 18, "second": 58}
